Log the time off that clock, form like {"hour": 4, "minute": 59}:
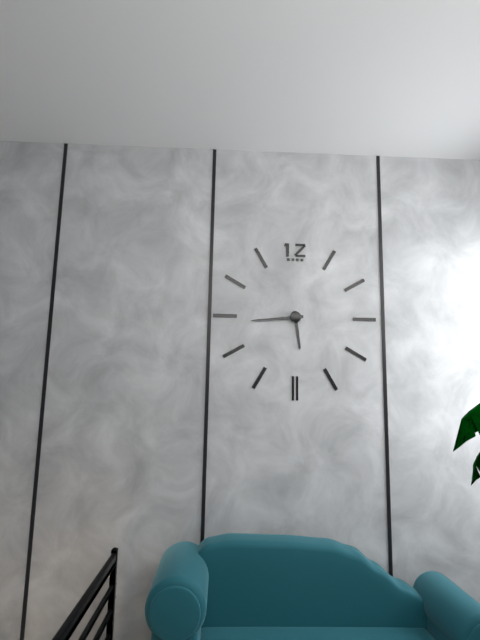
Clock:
{"hour": 5, "minute": 44}
